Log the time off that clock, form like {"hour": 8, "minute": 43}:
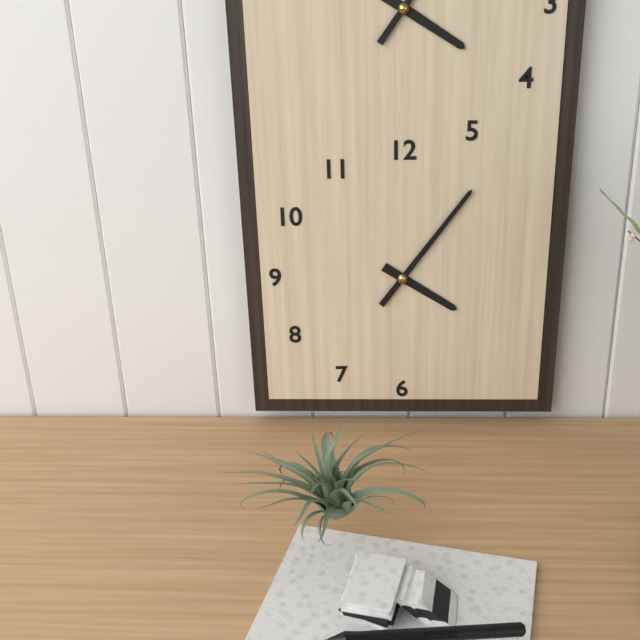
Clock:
{"hour": 4, "minute": 6}
